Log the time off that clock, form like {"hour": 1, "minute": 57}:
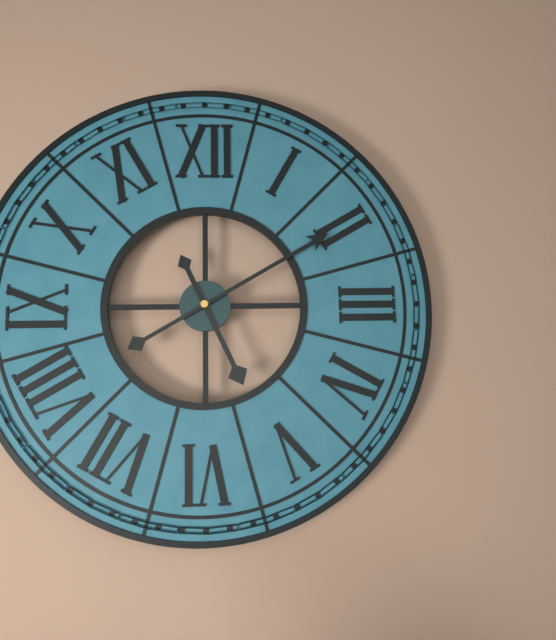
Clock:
{"hour": 5, "minute": 10}
